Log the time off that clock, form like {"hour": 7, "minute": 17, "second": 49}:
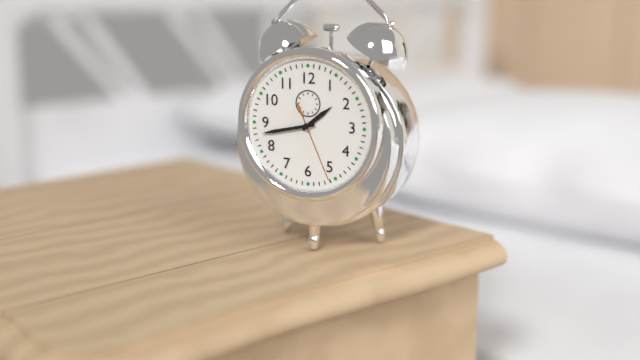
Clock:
{"hour": 1, "minute": 43, "second": 26}
